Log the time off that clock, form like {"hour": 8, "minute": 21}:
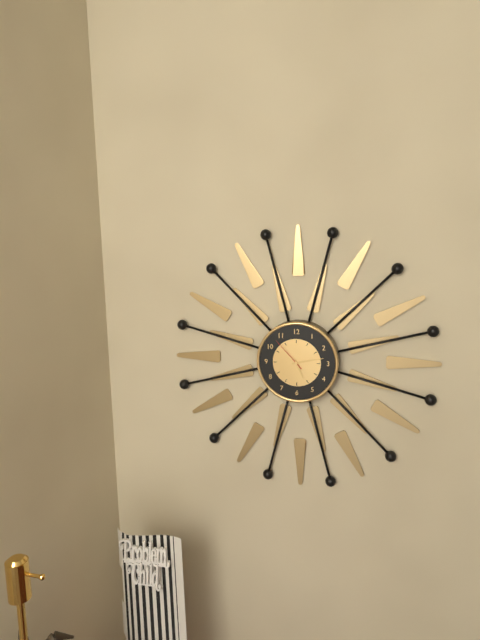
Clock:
{"hour": 5, "minute": 13}
